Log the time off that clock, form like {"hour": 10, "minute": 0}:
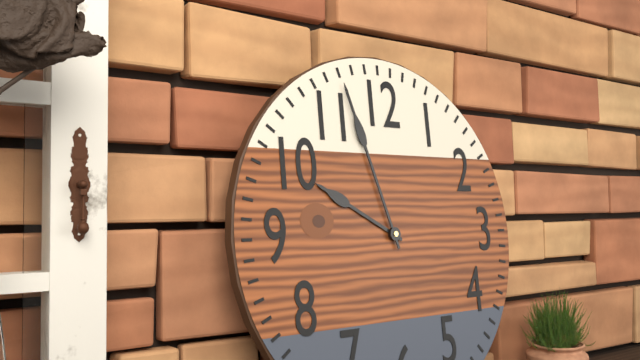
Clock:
{"hour": 9, "minute": 57}
